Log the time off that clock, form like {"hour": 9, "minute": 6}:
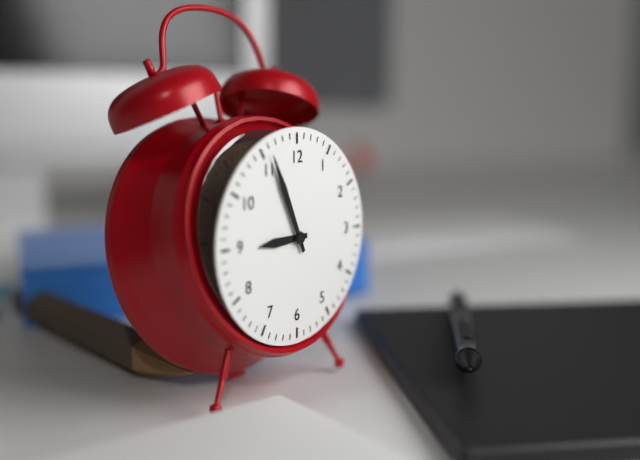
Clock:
{"hour": 8, "minute": 56}
